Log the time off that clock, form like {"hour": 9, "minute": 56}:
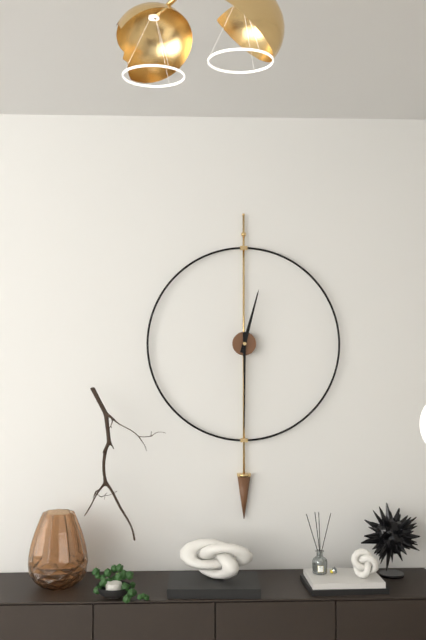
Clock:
{"hour": 12, "minute": 30}
